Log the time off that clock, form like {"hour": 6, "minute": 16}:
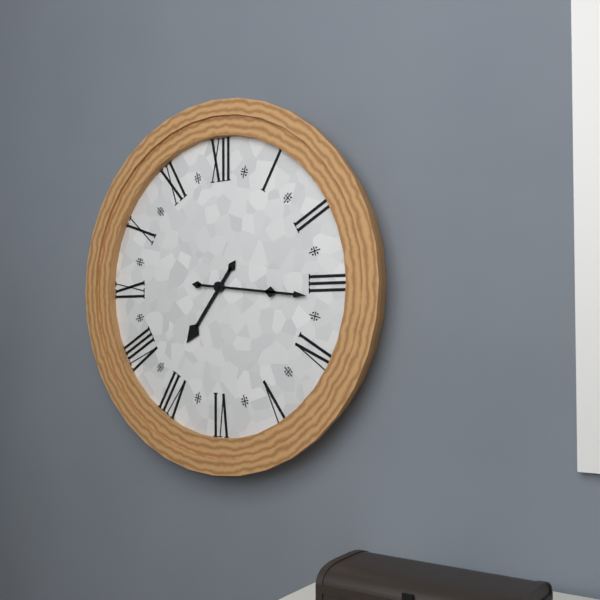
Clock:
{"hour": 7, "minute": 16}
